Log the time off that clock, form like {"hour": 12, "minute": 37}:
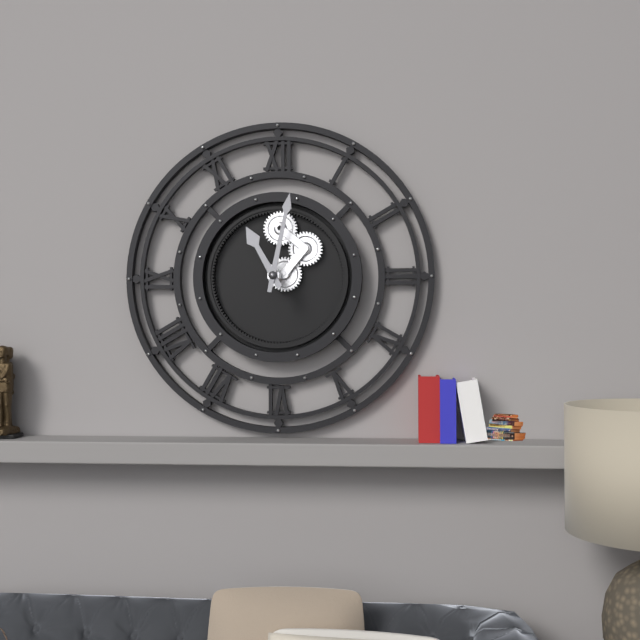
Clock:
{"hour": 11, "minute": 2}
